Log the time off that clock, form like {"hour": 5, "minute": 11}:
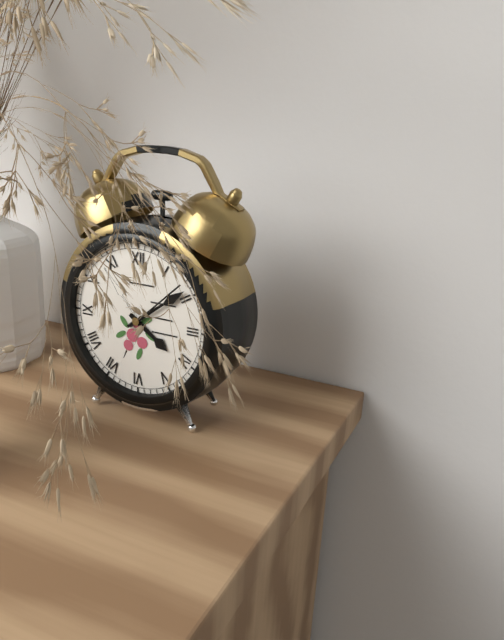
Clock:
{"hour": 4, "minute": 9}
